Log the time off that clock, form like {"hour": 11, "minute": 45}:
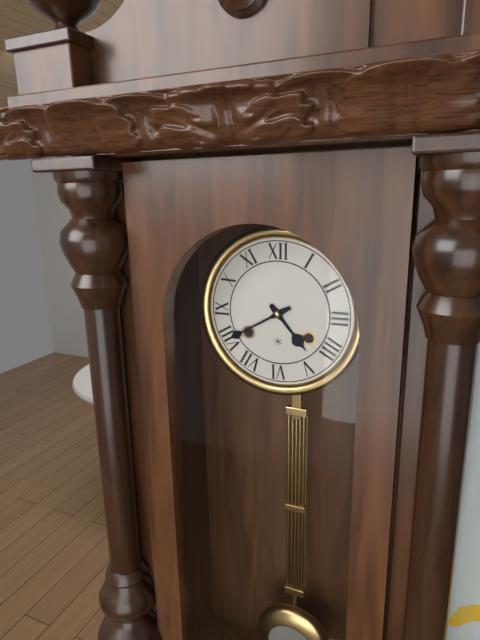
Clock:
{"hour": 4, "minute": 40}
